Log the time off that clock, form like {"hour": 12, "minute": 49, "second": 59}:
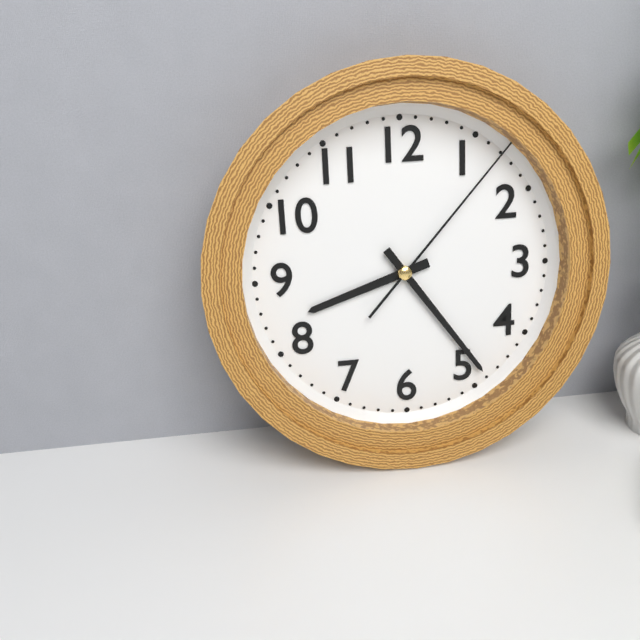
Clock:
{"hour": 8, "minute": 24, "second": 7}
